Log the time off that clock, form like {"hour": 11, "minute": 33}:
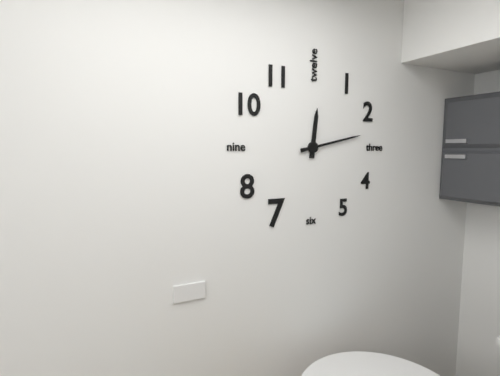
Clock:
{"hour": 12, "minute": 13}
